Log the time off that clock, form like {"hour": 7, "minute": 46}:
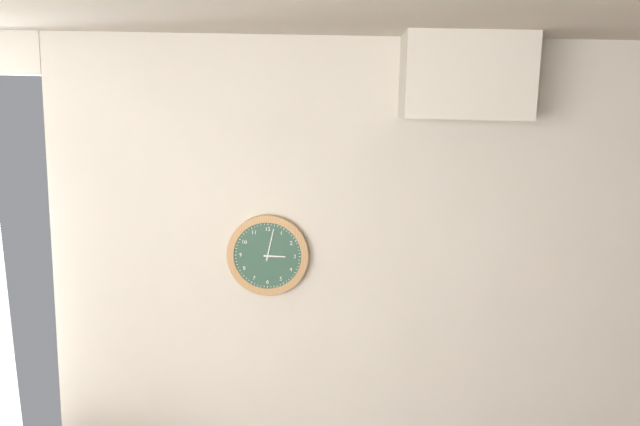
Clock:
{"hour": 3, "minute": 2}
